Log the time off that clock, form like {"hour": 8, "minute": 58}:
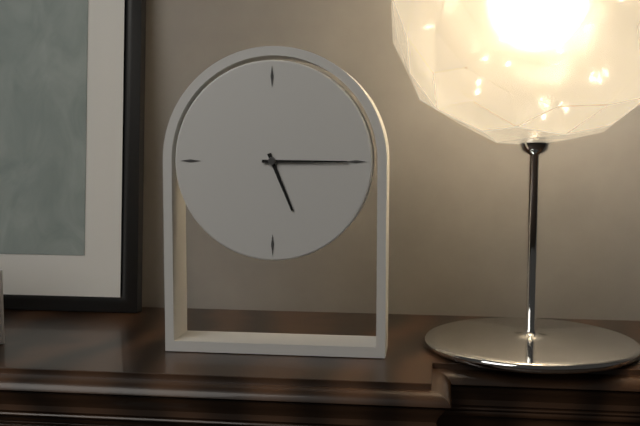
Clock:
{"hour": 5, "minute": 15}
